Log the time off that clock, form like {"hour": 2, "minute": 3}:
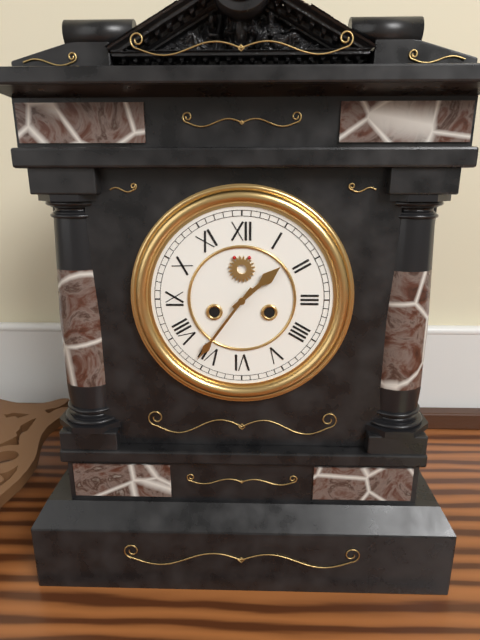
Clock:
{"hour": 1, "minute": 36}
